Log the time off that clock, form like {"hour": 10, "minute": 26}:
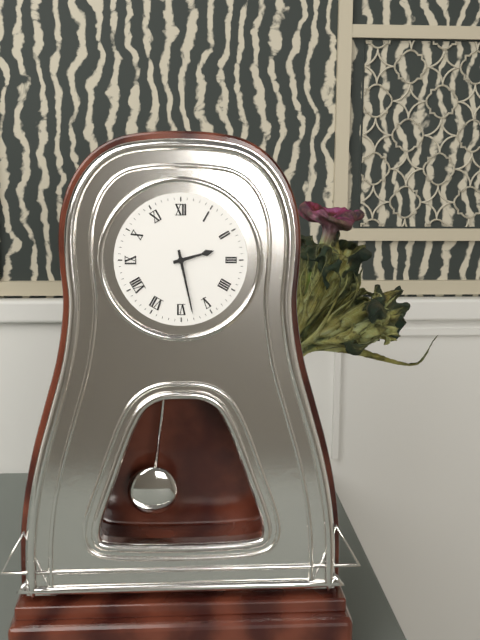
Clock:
{"hour": 2, "minute": 28}
